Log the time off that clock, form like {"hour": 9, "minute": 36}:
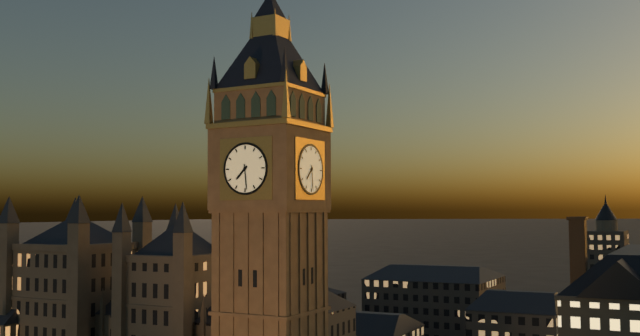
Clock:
{"hour": 7, "minute": 29}
